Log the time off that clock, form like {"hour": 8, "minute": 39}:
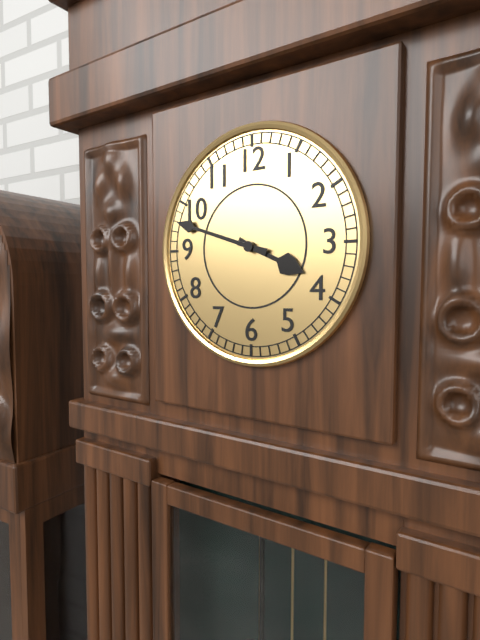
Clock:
{"hour": 3, "minute": 48}
